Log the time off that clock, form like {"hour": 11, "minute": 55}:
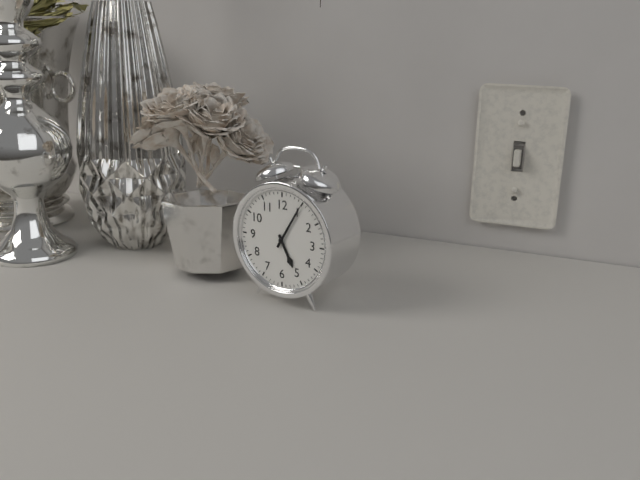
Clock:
{"hour": 5, "minute": 5}
